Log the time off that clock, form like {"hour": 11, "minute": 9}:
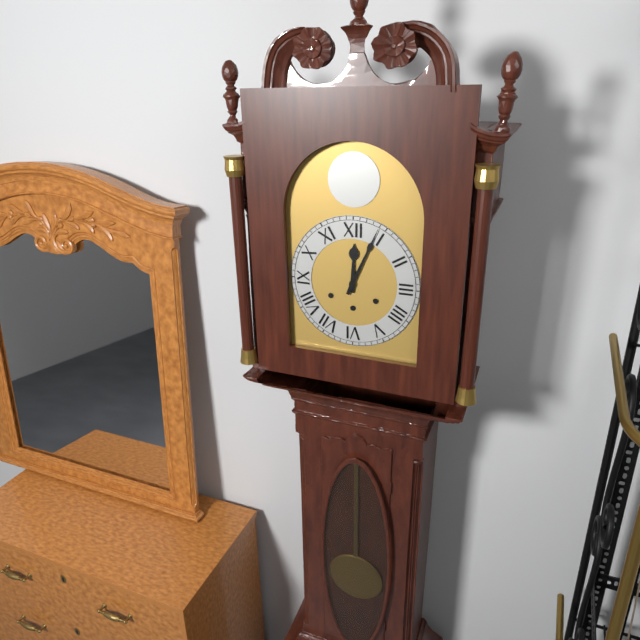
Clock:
{"hour": 12, "minute": 4}
